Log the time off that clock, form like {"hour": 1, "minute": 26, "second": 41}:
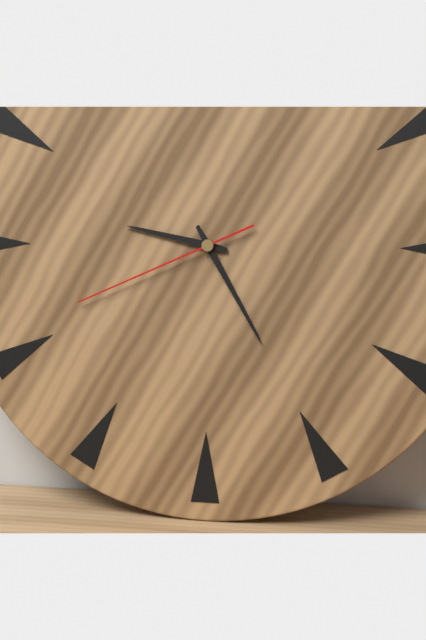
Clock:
{"hour": 9, "minute": 25, "second": 41}
